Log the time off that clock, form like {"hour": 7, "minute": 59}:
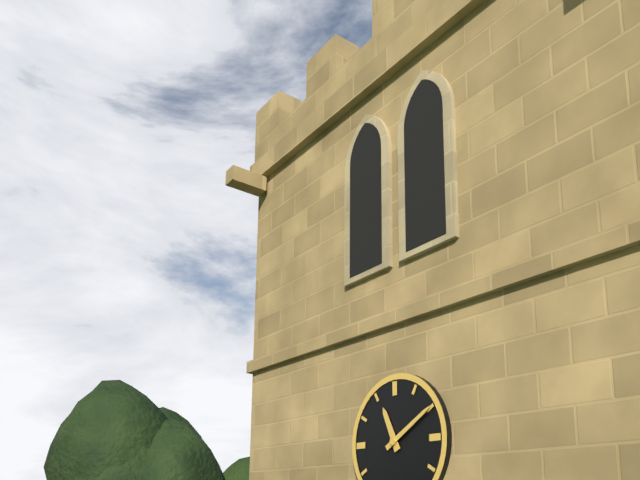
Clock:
{"hour": 11, "minute": 10}
